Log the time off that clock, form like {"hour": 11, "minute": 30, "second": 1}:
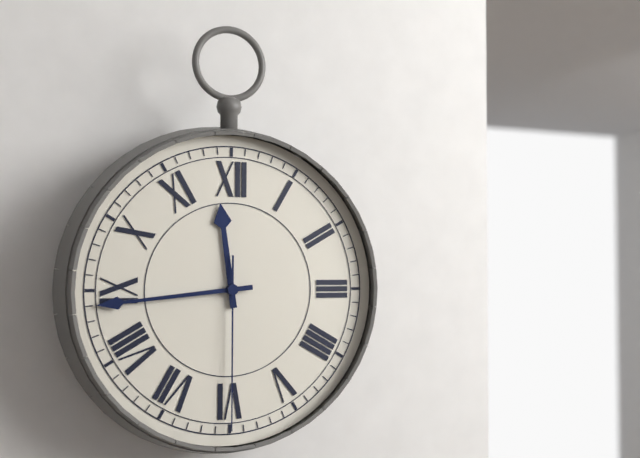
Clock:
{"hour": 11, "minute": 44, "second": 30}
